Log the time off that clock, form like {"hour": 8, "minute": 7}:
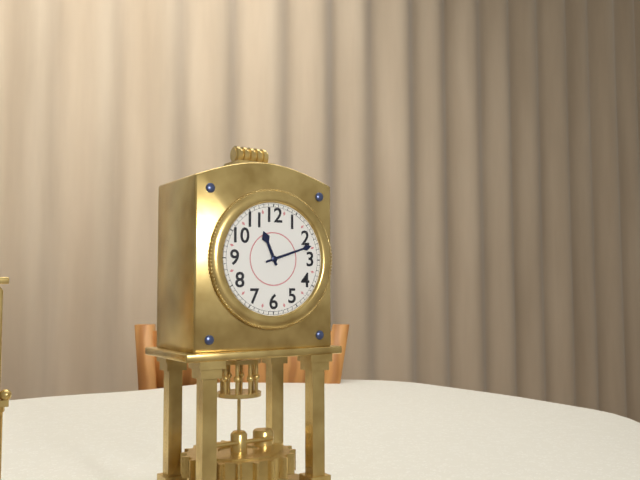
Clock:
{"hour": 11, "minute": 12}
